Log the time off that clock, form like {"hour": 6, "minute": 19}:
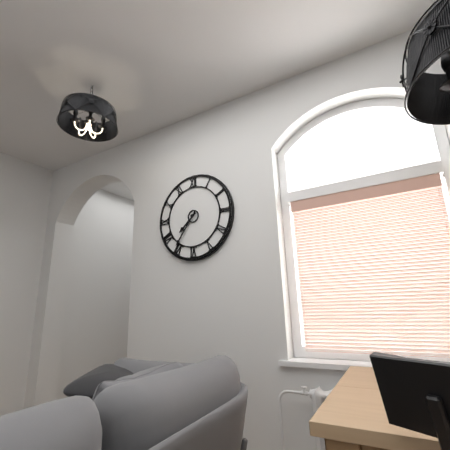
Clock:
{"hour": 7, "minute": 36}
